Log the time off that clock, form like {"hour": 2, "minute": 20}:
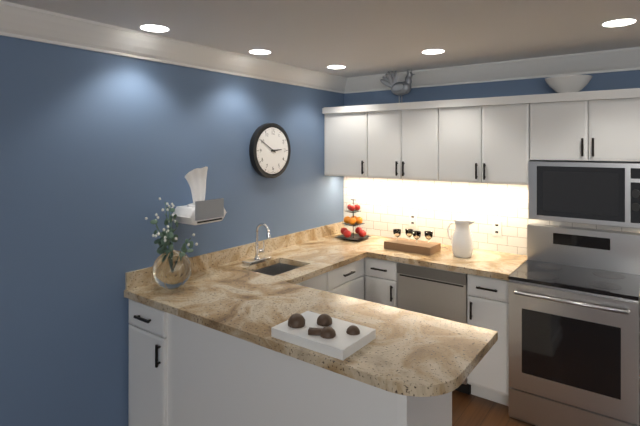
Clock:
{"hour": 2, "minute": 50}
